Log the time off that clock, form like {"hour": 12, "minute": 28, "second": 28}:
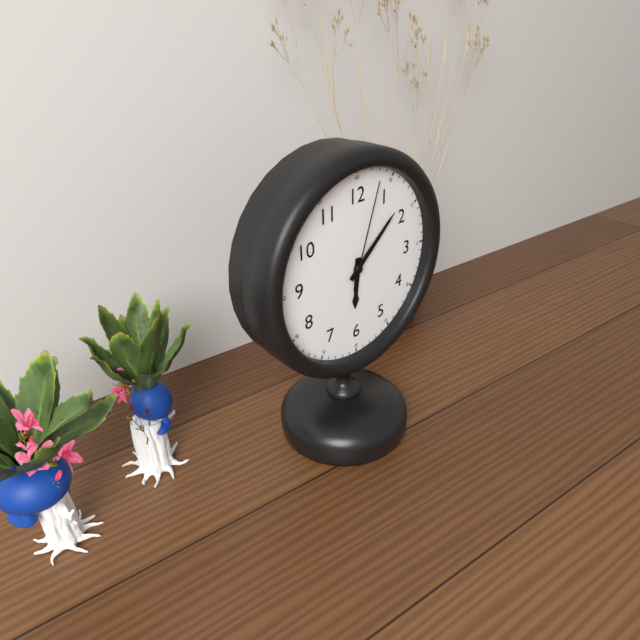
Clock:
{"hour": 6, "minute": 8, "second": 3}
